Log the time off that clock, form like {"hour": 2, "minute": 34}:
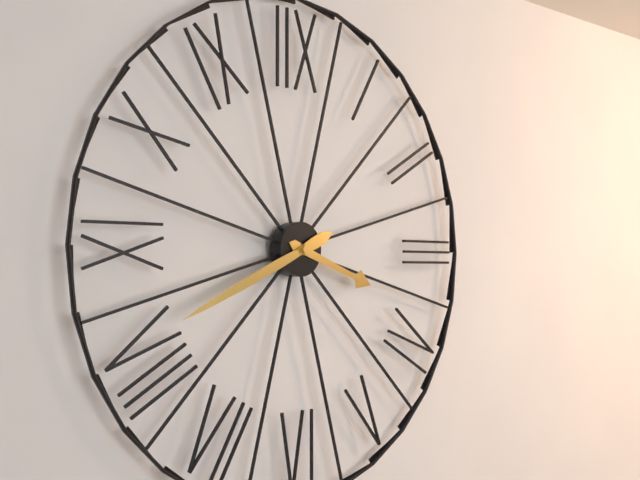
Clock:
{"hour": 3, "minute": 41}
